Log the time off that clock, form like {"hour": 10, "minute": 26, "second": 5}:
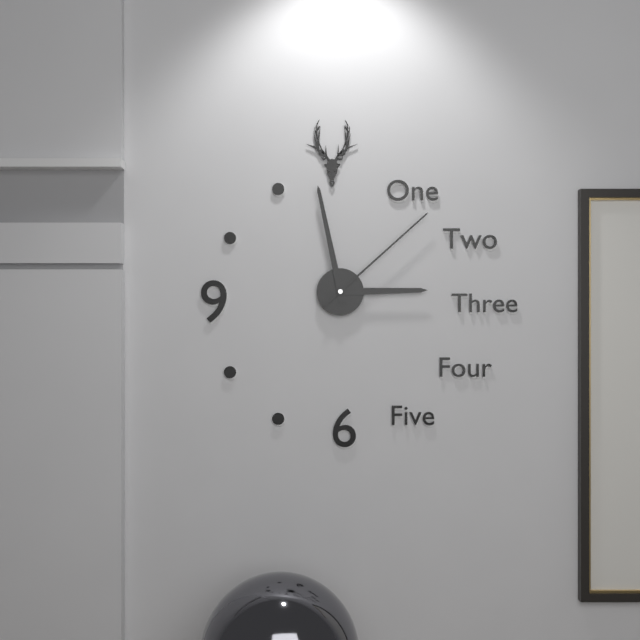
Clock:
{"hour": 2, "minute": 58, "second": 8}
